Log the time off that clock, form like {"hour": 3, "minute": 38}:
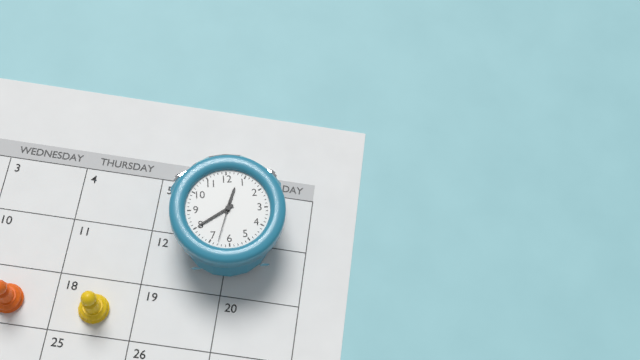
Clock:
{"hour": 12, "minute": 40}
